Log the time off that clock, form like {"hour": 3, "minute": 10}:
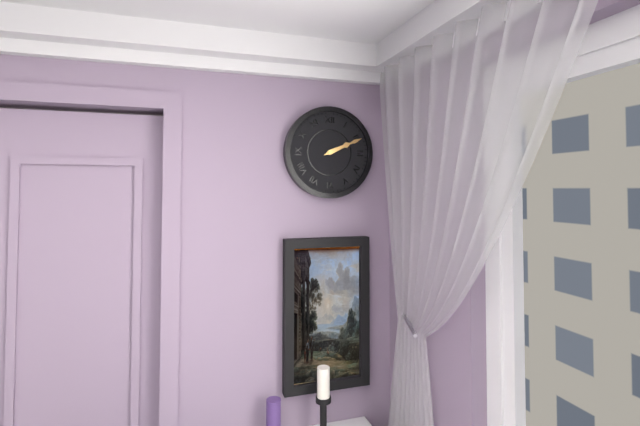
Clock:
{"hour": 2, "minute": 11}
